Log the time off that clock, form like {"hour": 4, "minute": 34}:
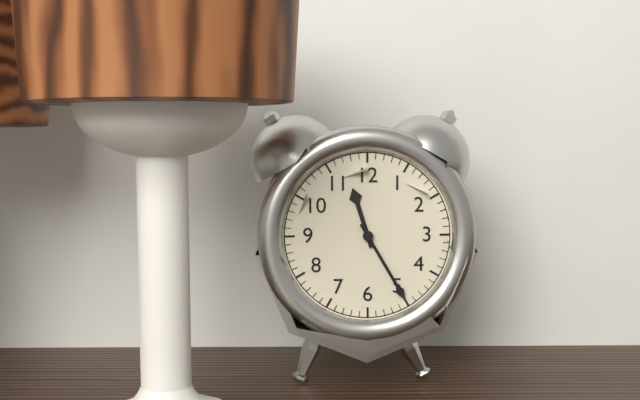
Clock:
{"hour": 11, "minute": 25}
